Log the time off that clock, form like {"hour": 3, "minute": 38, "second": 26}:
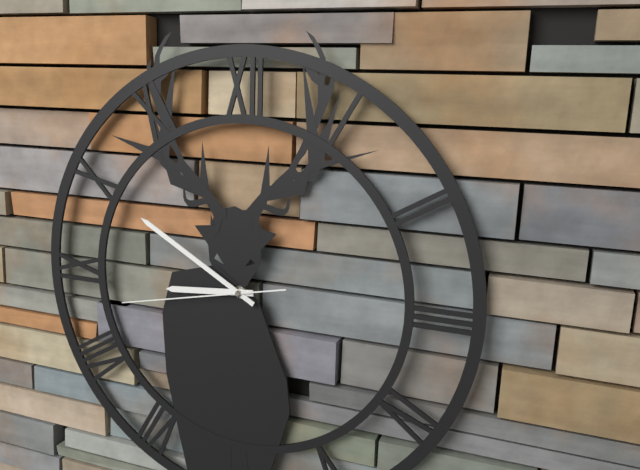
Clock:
{"hour": 8, "minute": 50, "second": 43}
